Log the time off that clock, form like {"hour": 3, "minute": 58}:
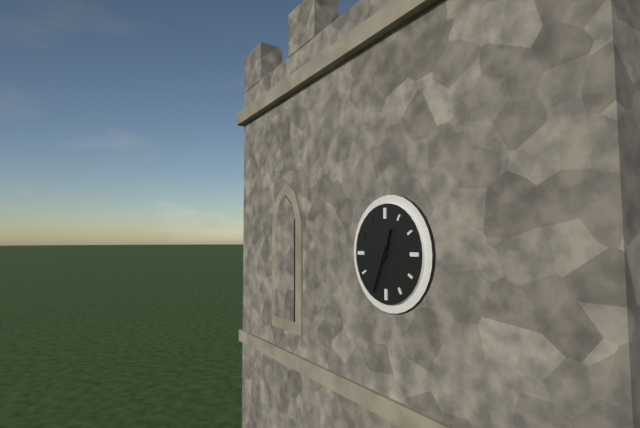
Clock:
{"hour": 12, "minute": 34}
